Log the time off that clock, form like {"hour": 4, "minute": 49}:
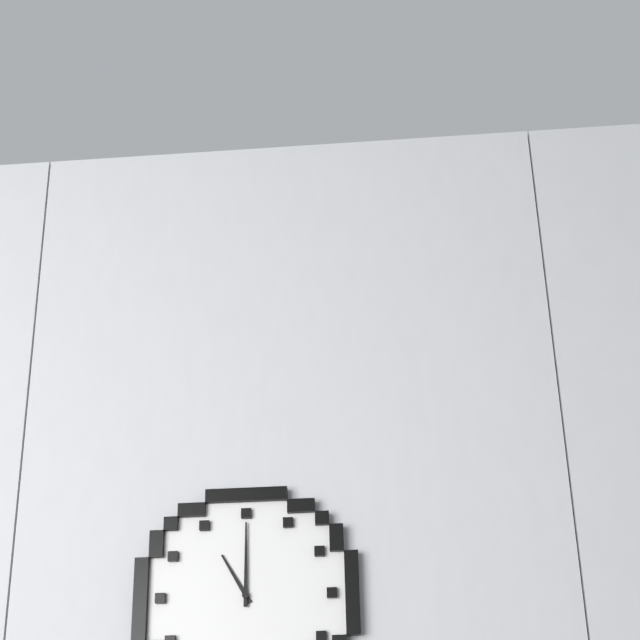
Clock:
{"hour": 11, "minute": 0}
